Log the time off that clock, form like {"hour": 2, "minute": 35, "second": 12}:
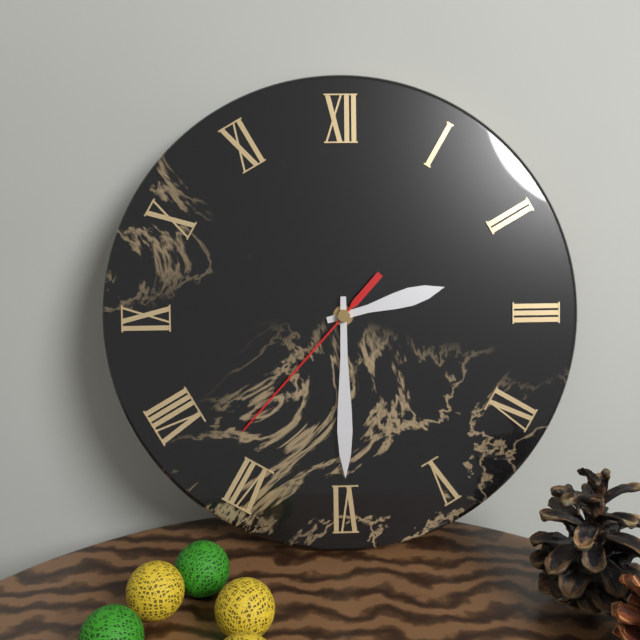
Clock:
{"hour": 2, "minute": 30, "second": 37}
